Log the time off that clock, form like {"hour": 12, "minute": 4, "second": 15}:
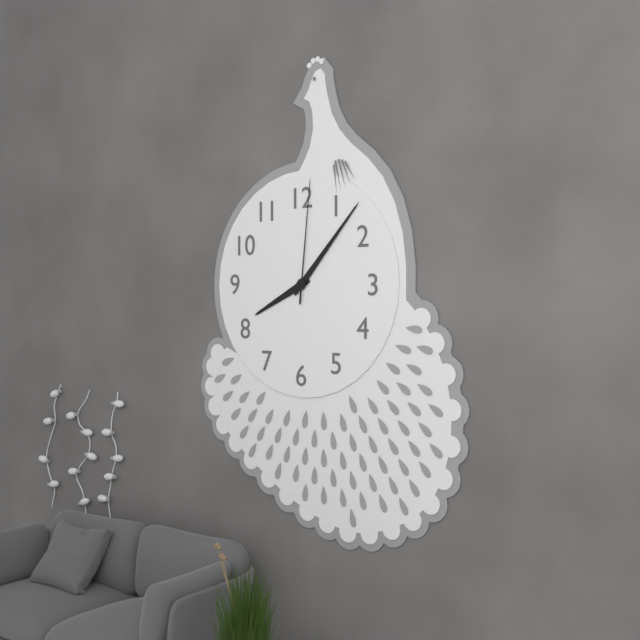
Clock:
{"hour": 8, "minute": 7, "second": 1}
